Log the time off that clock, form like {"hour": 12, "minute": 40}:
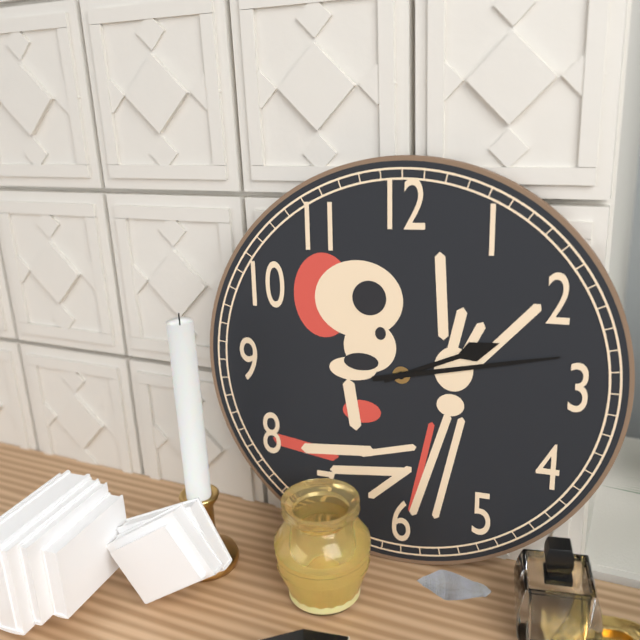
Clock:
{"hour": 2, "minute": 13}
